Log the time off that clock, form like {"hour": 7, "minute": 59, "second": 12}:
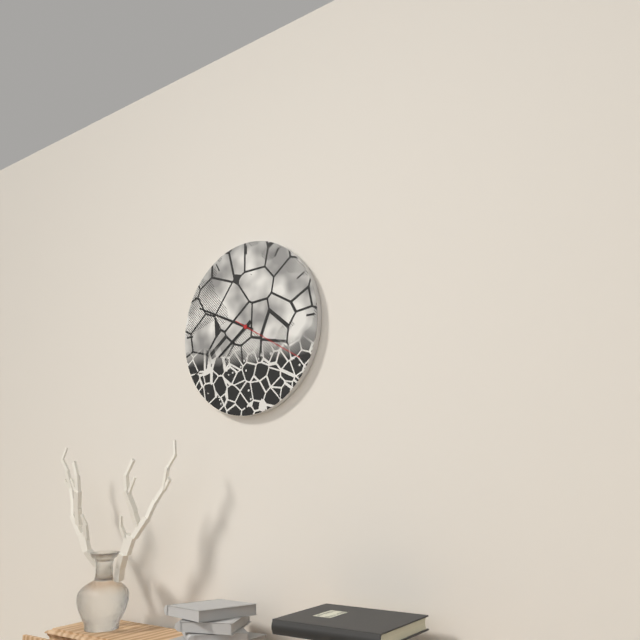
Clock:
{"hour": 7, "minute": 49, "second": 20}
